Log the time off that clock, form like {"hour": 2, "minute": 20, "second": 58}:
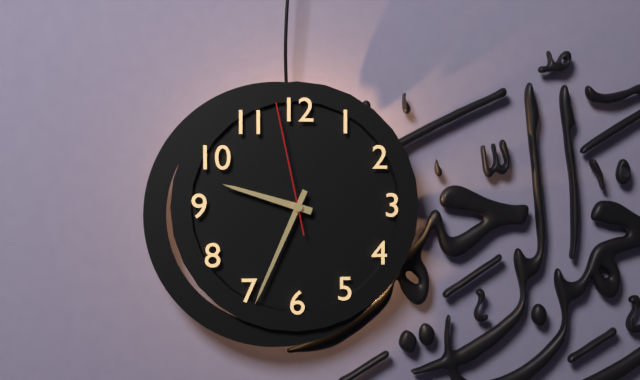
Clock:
{"hour": 9, "minute": 34, "second": 58}
